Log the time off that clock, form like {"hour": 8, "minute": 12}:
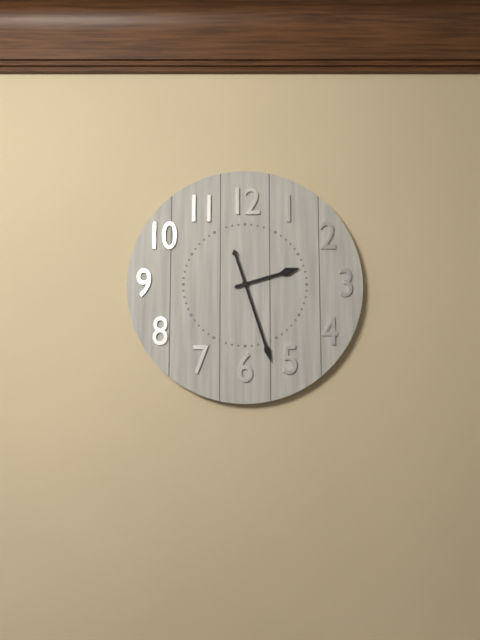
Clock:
{"hour": 2, "minute": 27}
